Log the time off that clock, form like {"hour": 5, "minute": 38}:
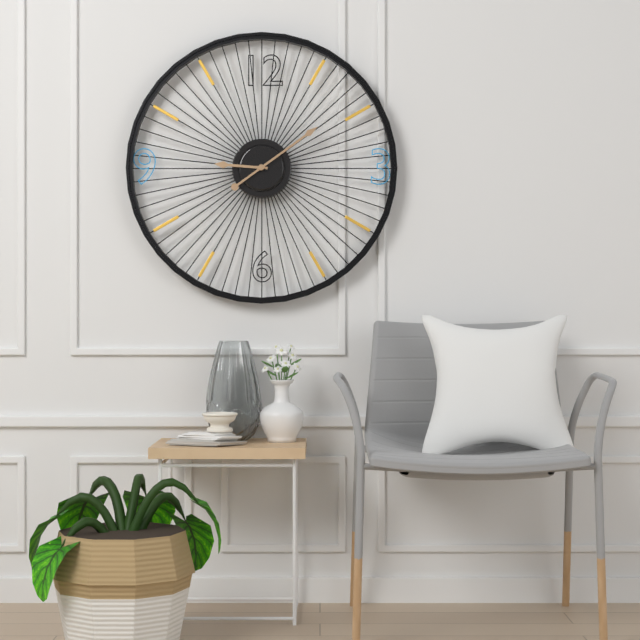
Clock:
{"hour": 9, "minute": 9}
